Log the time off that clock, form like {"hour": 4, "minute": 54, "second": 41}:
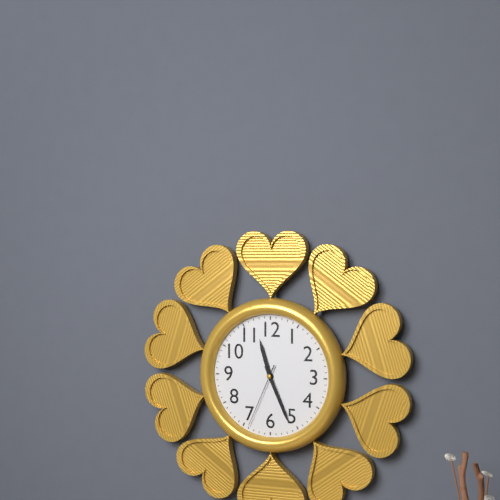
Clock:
{"hour": 11, "minute": 26, "second": 34}
